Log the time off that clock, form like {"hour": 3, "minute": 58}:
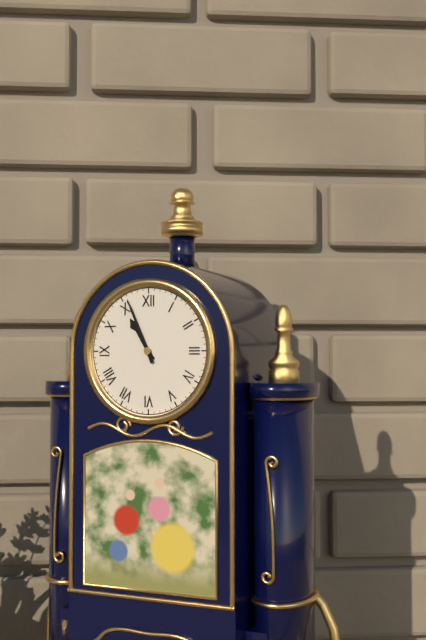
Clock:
{"hour": 10, "minute": 56}
